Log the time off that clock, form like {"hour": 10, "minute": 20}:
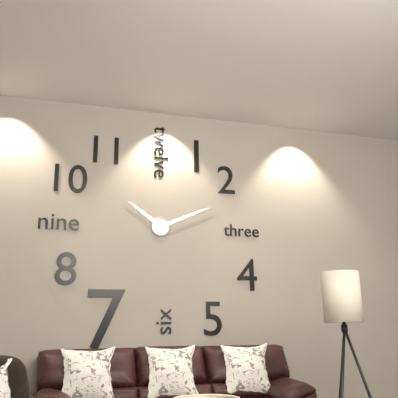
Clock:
{"hour": 10, "minute": 11}
